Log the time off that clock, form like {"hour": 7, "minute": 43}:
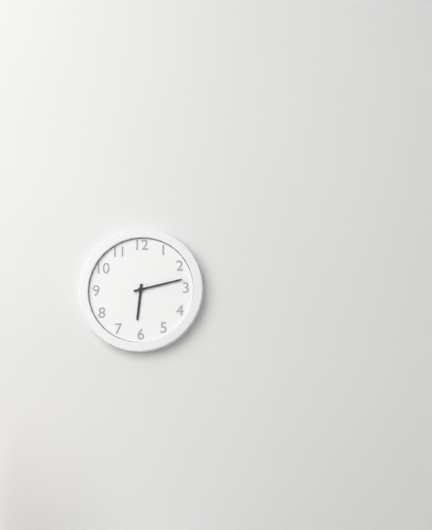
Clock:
{"hour": 6, "minute": 13}
